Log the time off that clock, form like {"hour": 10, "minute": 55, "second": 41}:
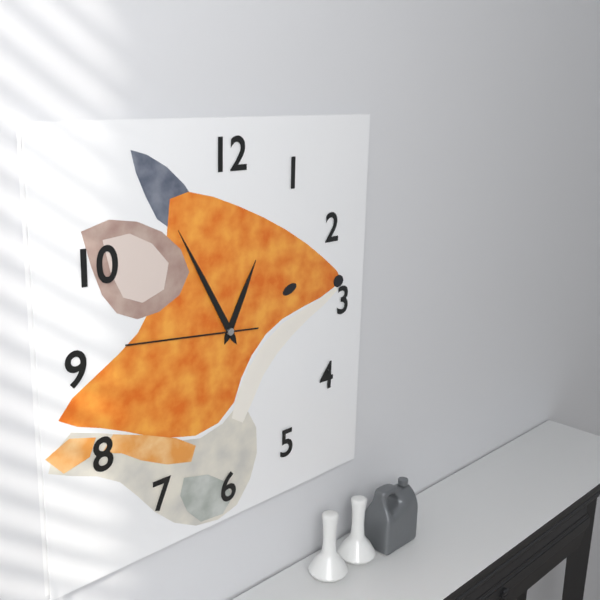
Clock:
{"hour": 12, "minute": 55, "second": 46}
